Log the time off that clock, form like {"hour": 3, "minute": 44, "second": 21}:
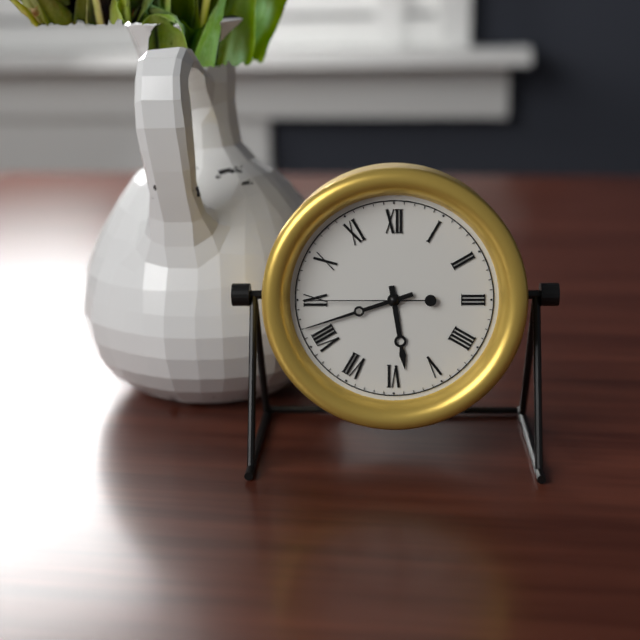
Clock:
{"hour": 5, "minute": 42, "second": 45}
